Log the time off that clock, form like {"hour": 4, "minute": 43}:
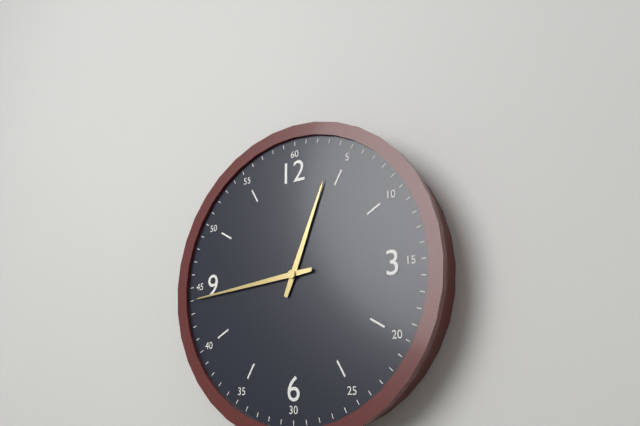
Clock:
{"hour": 12, "minute": 44}
